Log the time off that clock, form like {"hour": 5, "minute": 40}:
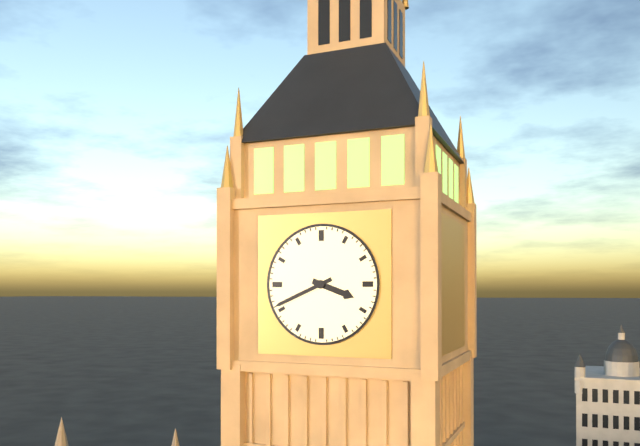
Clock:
{"hour": 3, "minute": 41}
